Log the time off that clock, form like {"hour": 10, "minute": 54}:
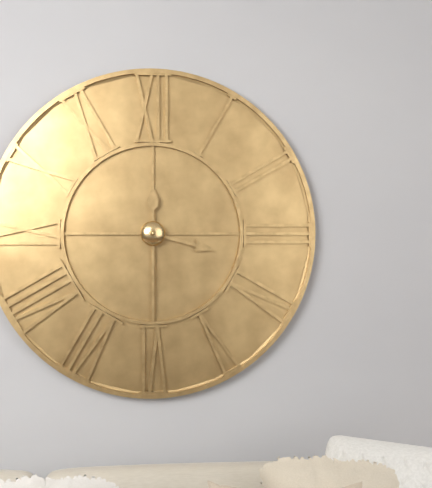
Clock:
{"hour": 3, "minute": 30}
